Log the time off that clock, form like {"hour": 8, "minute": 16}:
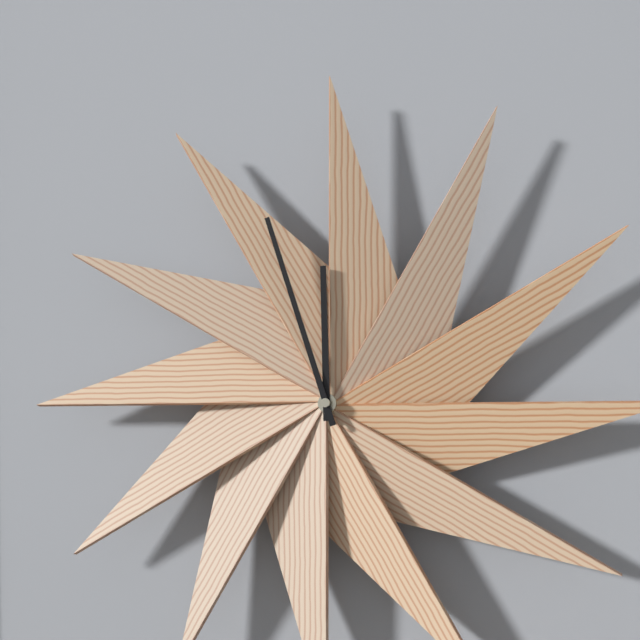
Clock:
{"hour": 11, "minute": 57}
